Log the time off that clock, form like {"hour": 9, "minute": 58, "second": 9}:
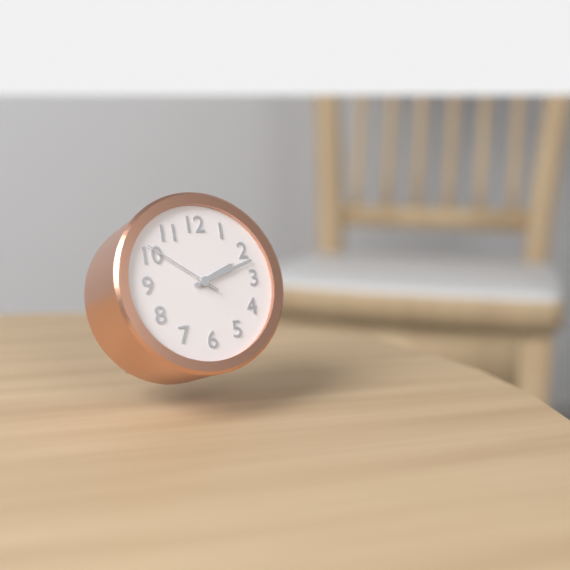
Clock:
{"hour": 2, "minute": 12, "second": 51}
